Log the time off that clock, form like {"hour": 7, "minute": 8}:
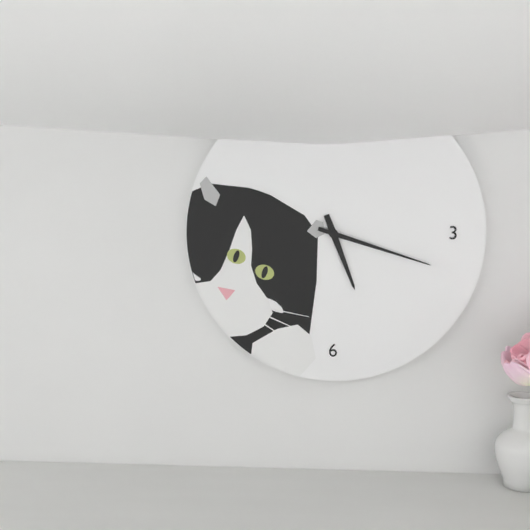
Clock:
{"hour": 5, "minute": 18}
